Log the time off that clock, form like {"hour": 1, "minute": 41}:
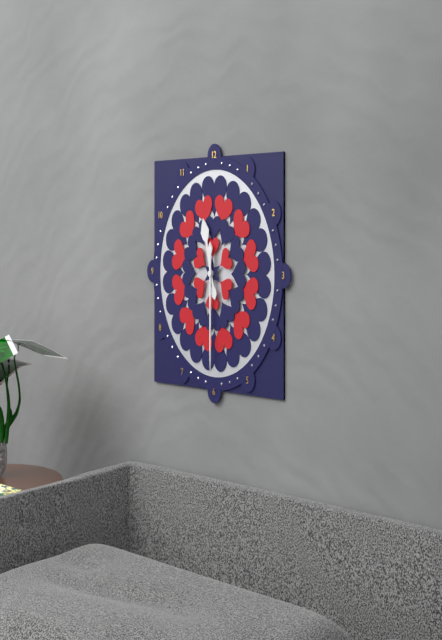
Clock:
{"hour": 11, "minute": 30}
